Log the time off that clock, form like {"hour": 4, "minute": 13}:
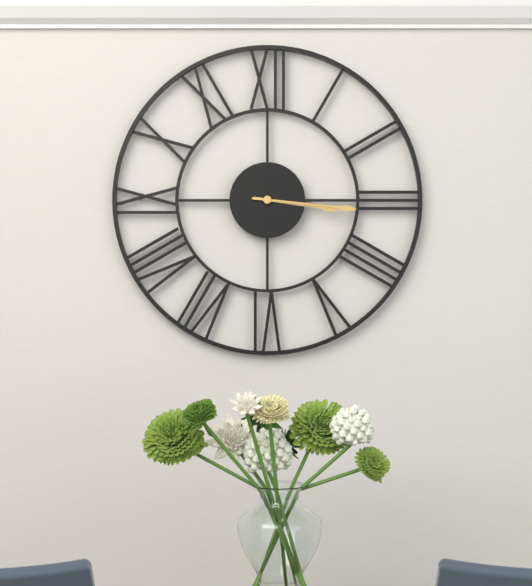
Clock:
{"hour": 3, "minute": 16}
